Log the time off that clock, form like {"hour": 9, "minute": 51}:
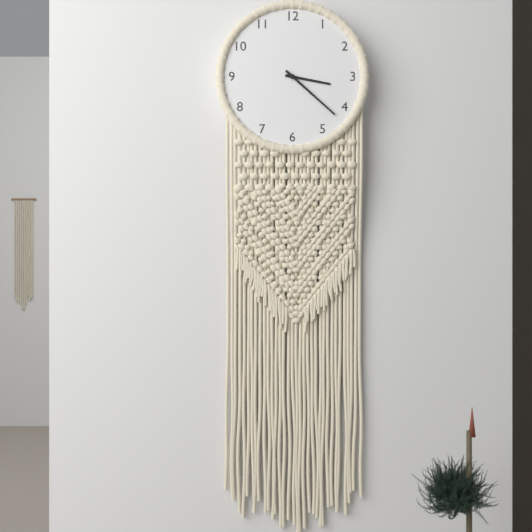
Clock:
{"hour": 3, "minute": 22}
